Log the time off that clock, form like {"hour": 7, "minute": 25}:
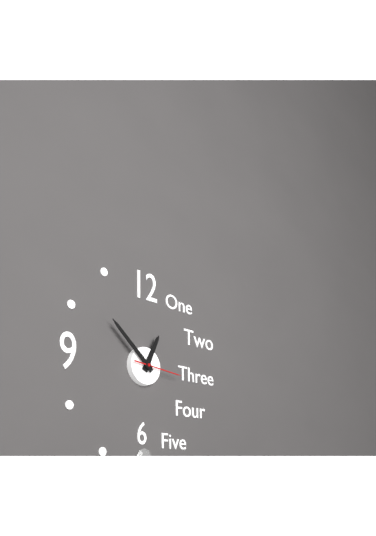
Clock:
{"hour": 12, "minute": 52}
